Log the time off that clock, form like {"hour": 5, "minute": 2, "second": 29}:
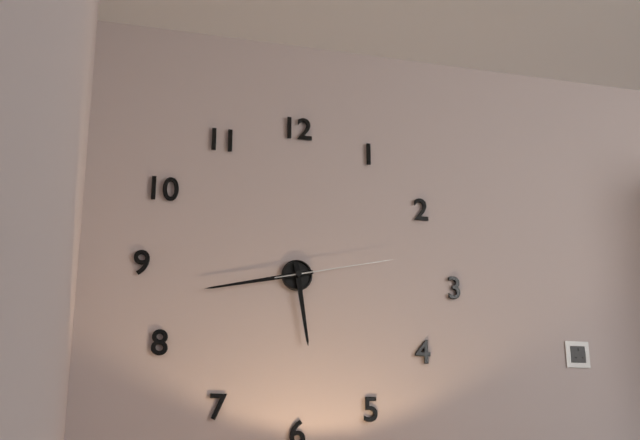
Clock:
{"hour": 5, "minute": 43, "second": 13}
